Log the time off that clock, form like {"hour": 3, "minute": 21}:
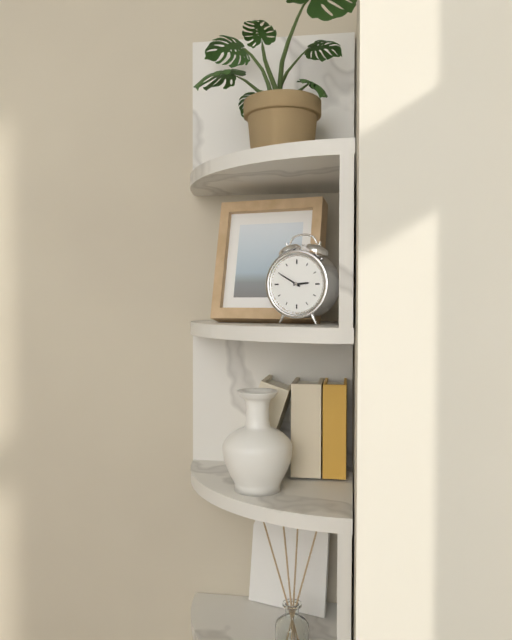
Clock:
{"hour": 2, "minute": 50}
